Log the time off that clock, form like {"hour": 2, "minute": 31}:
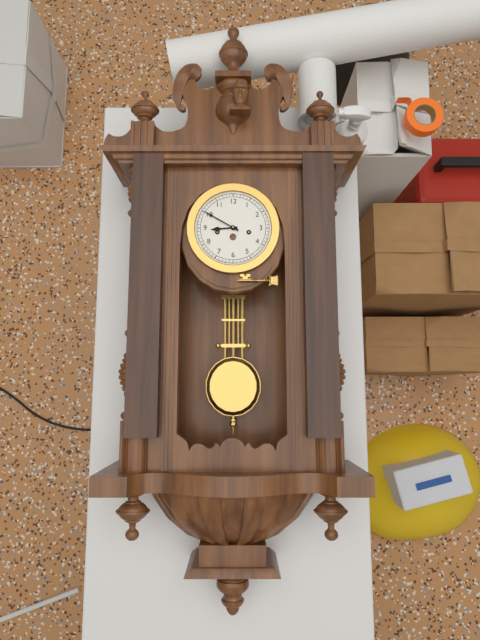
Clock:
{"hour": 8, "minute": 50}
